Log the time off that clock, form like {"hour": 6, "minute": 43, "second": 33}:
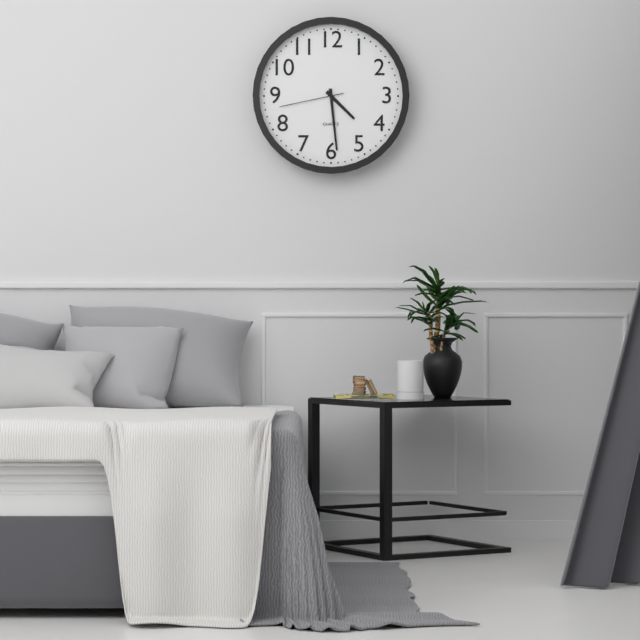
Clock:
{"hour": 4, "minute": 29, "second": 43}
